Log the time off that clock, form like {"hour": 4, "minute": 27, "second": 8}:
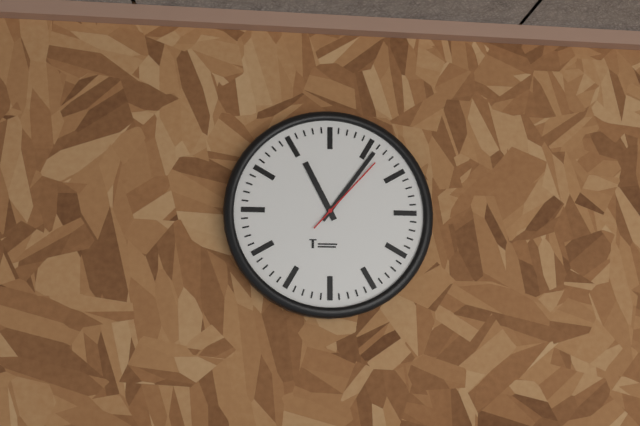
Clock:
{"hour": 11, "minute": 6, "second": 7}
